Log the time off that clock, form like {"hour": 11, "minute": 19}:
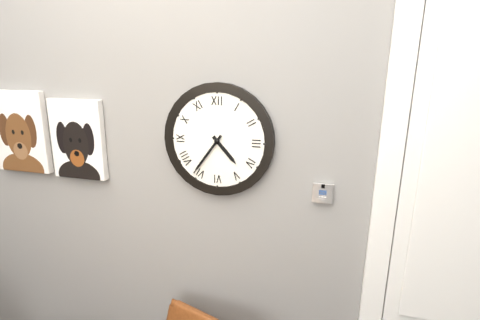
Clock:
{"hour": 4, "minute": 36}
